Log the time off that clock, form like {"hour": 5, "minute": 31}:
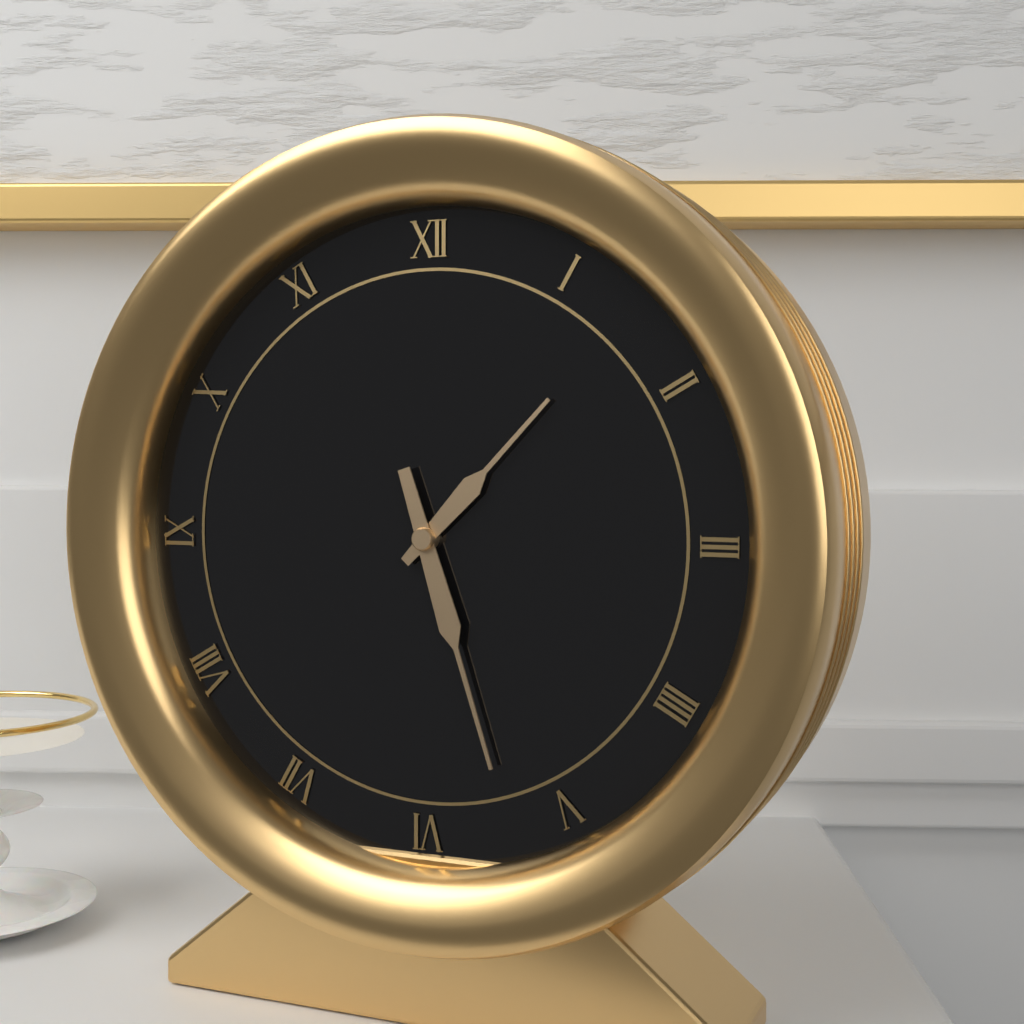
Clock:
{"hour": 1, "minute": 27}
